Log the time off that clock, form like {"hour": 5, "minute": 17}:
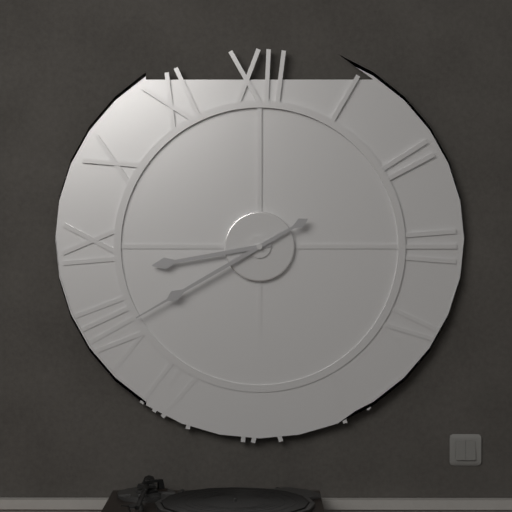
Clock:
{"hour": 8, "minute": 40}
